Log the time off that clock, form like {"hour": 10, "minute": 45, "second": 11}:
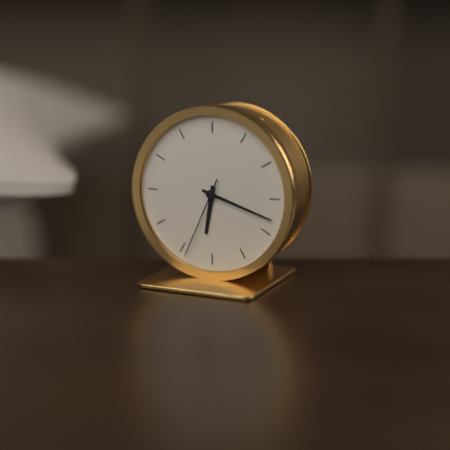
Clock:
{"hour": 6, "minute": 18, "second": 34}
